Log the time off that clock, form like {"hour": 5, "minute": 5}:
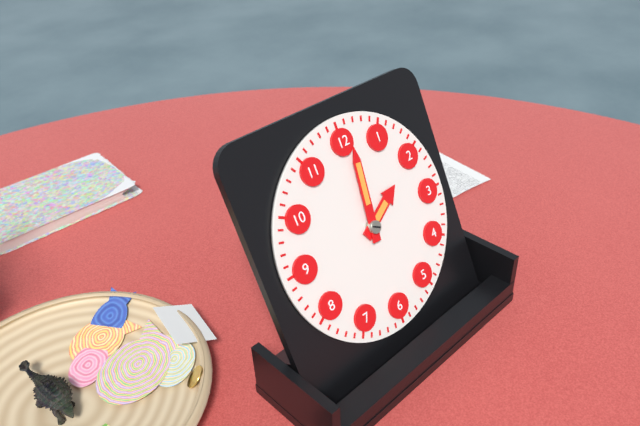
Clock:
{"hour": 2, "minute": 1}
